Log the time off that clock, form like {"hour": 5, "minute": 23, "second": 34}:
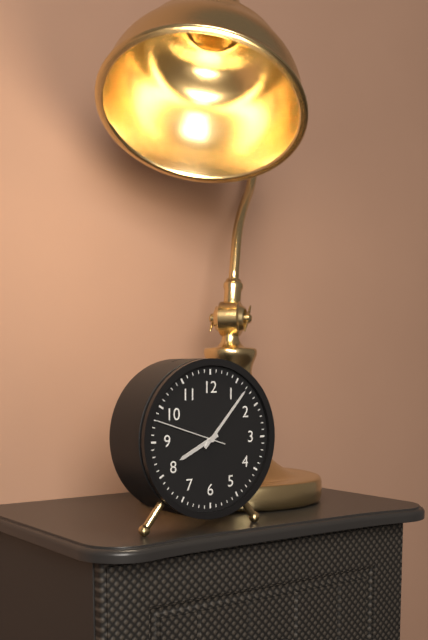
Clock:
{"hour": 8, "minute": 7, "second": 48}
